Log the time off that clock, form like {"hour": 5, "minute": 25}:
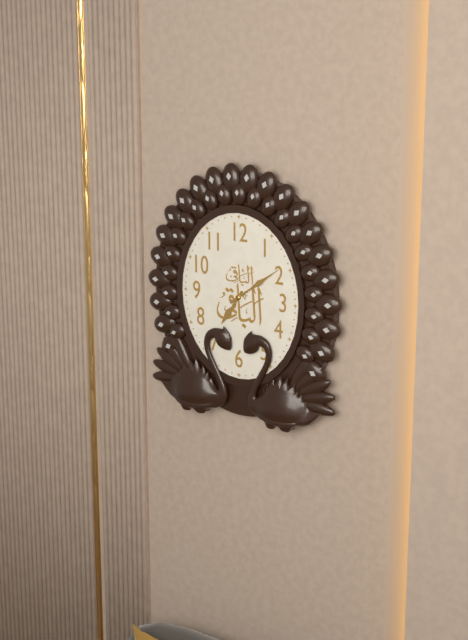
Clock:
{"hour": 7, "minute": 9}
